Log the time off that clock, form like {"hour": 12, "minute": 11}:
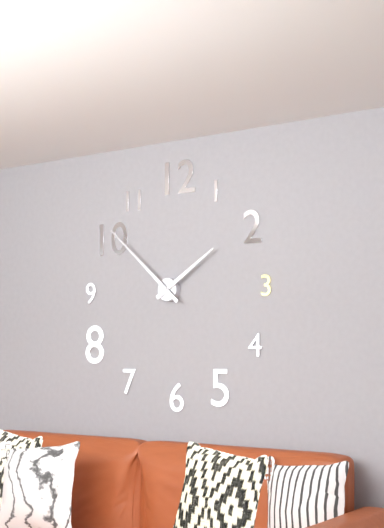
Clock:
{"hour": 1, "minute": 52}
